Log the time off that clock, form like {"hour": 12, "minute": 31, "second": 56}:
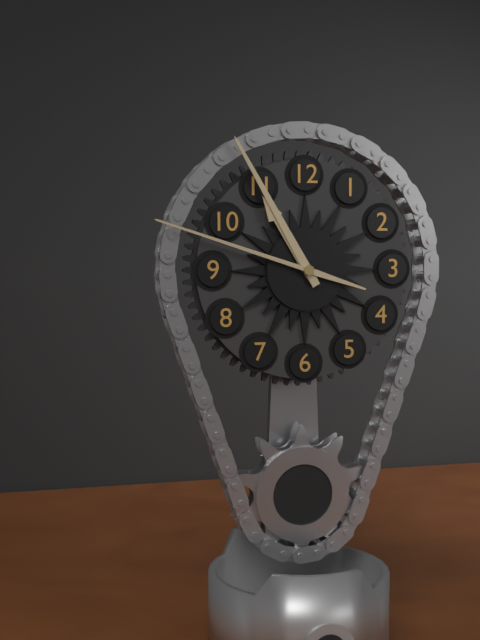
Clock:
{"hour": 10, "minute": 55, "second": 48}
